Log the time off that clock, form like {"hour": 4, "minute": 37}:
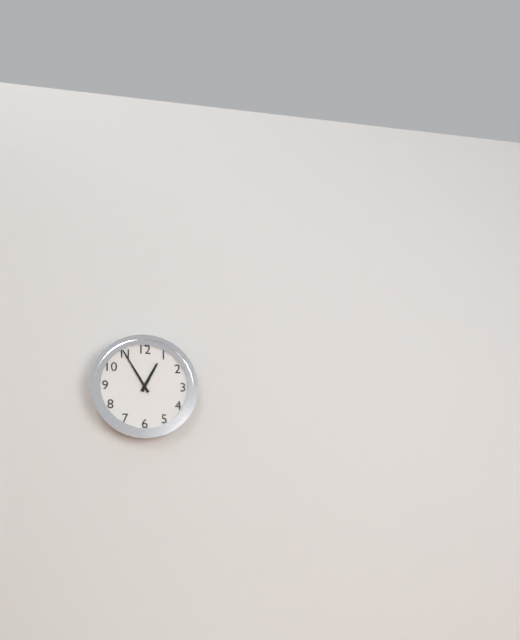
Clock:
{"hour": 12, "minute": 55}
